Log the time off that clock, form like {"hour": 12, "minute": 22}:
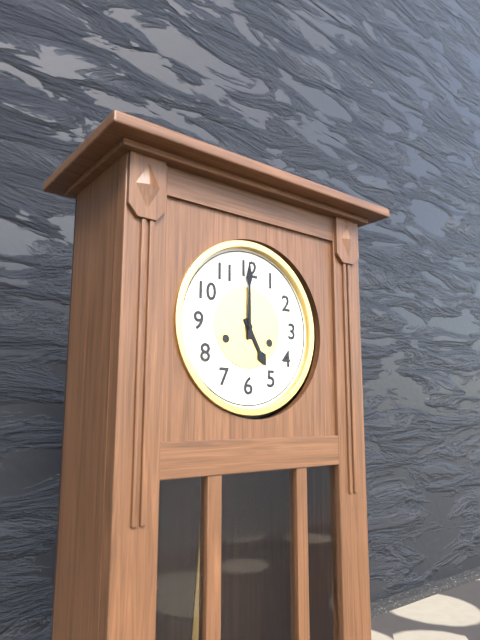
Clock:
{"hour": 5, "minute": 0}
